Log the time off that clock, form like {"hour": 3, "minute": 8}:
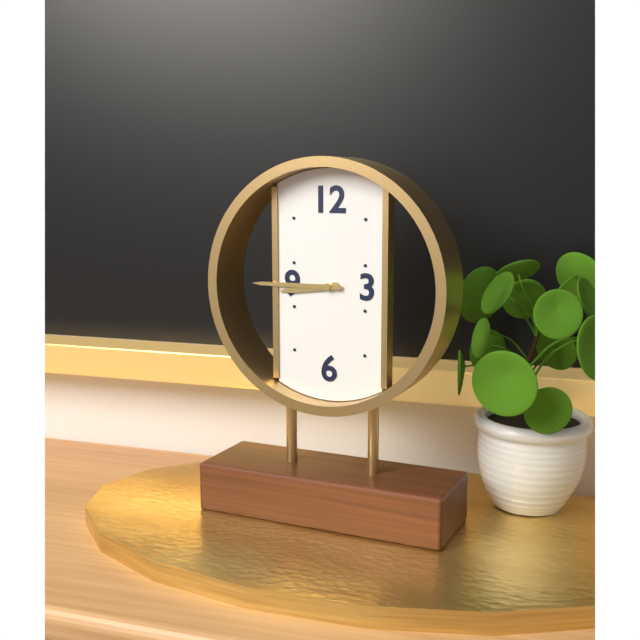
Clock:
{"hour": 8, "minute": 45}
